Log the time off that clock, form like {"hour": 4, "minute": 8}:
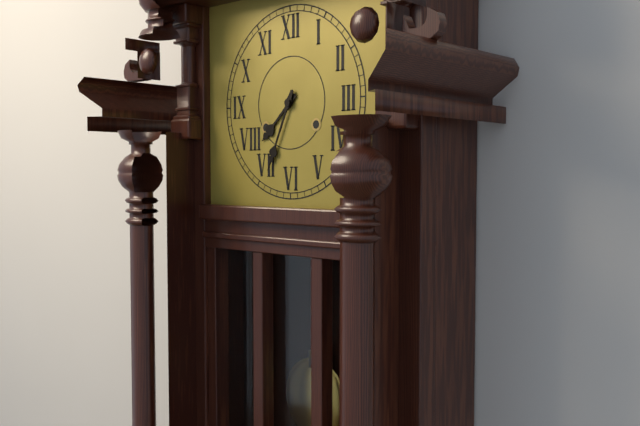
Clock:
{"hour": 7, "minute": 34}
